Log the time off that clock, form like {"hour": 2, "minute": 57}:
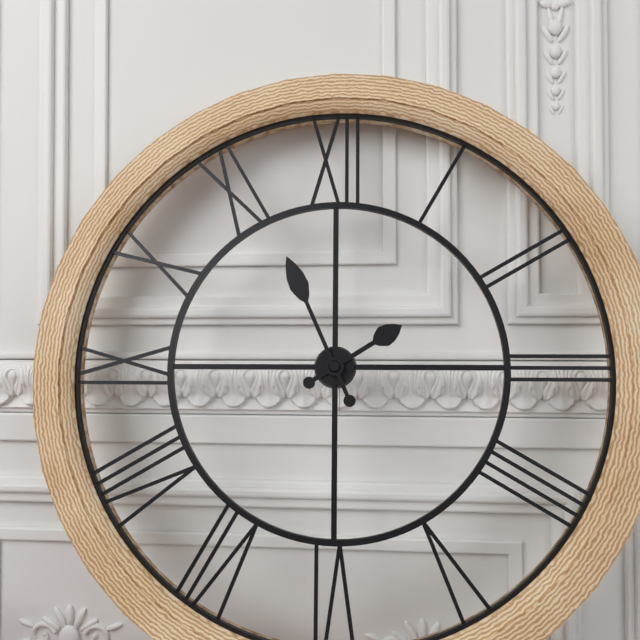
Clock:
{"hour": 1, "minute": 56}
